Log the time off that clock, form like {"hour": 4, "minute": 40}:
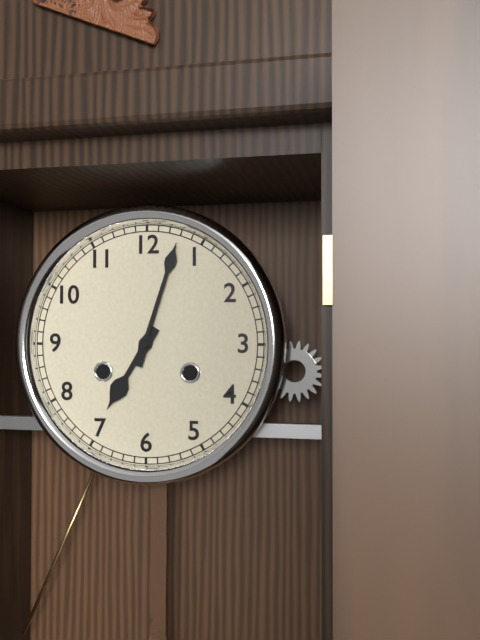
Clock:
{"hour": 7, "minute": 3}
